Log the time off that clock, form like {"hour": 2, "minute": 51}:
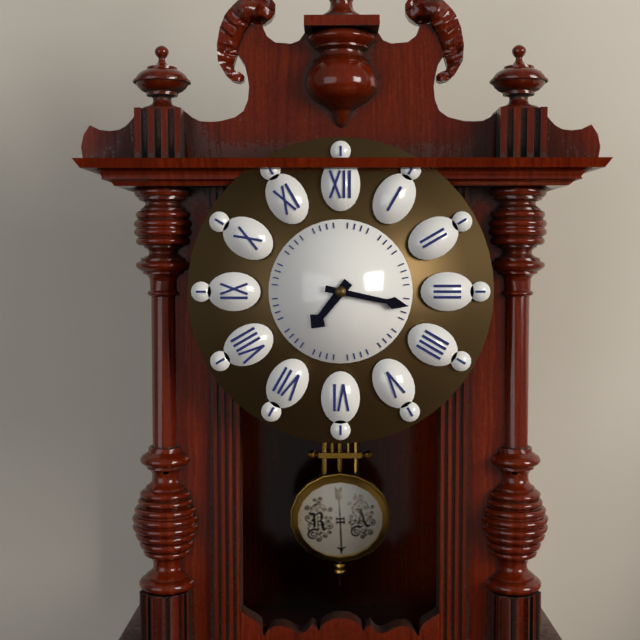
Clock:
{"hour": 7, "minute": 17}
